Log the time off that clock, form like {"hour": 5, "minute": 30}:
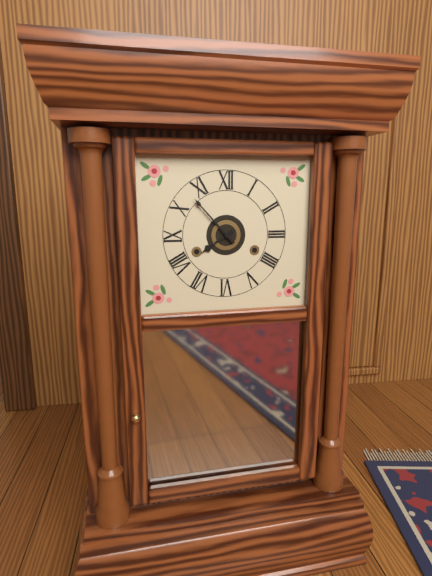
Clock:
{"hour": 7, "minute": 53}
